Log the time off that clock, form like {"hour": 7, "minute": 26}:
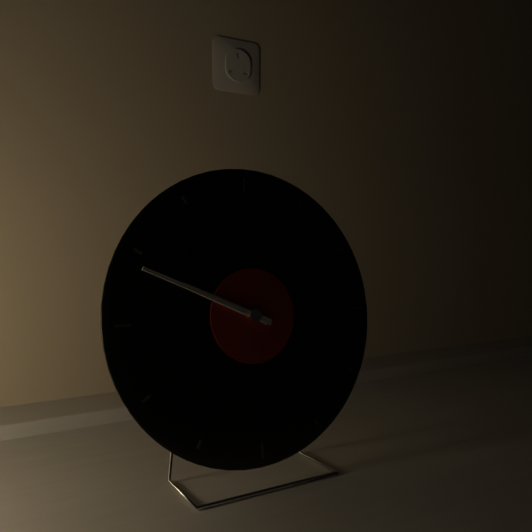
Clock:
{"hour": 9, "minute": 49}
